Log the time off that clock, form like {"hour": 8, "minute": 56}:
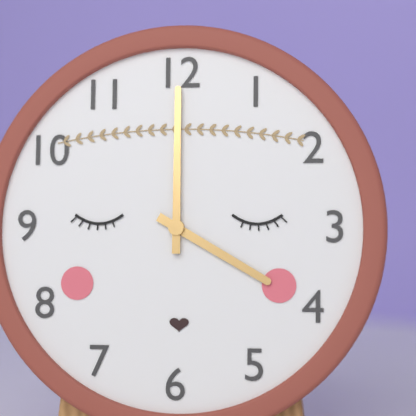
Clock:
{"hour": 4, "minute": 0}
